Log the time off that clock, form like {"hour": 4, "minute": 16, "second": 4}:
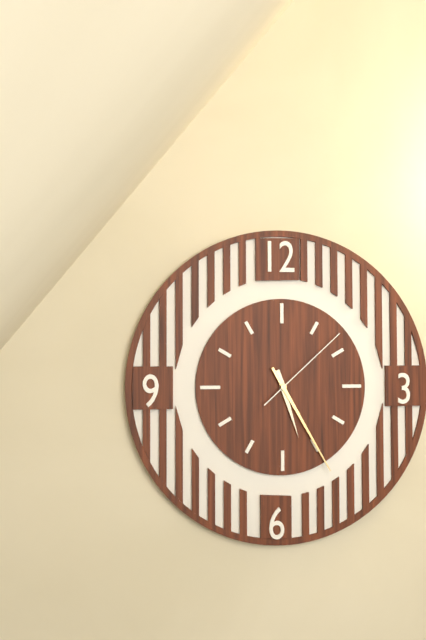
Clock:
{"hour": 5, "minute": 25, "second": 8}
